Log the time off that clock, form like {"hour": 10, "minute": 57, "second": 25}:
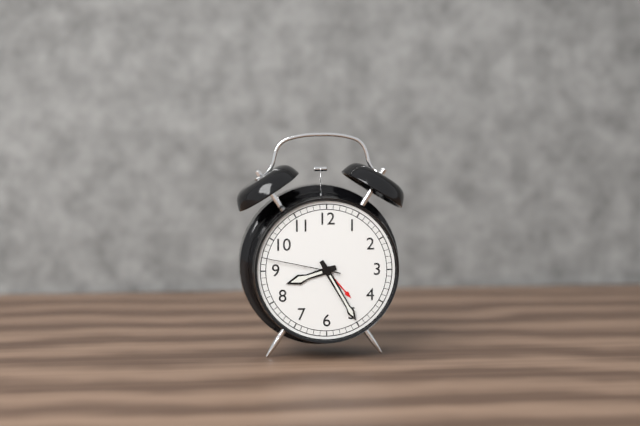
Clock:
{"hour": 8, "minute": 25, "second": 47}
